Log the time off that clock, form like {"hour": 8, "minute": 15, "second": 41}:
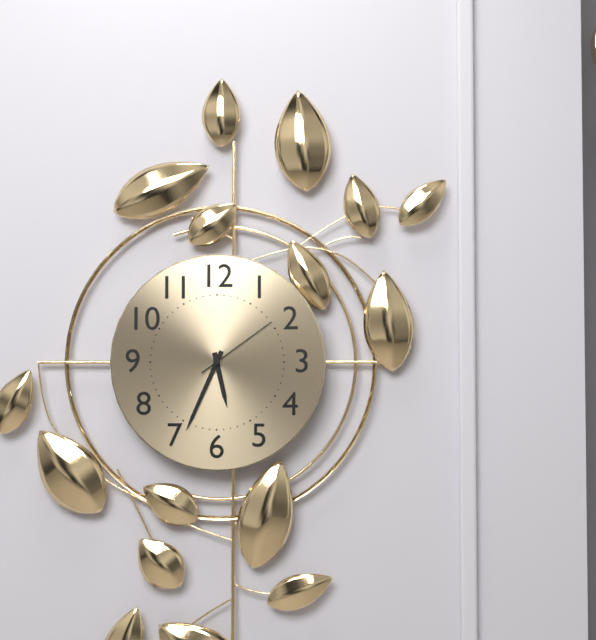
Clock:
{"hour": 5, "minute": 34, "second": 9}
